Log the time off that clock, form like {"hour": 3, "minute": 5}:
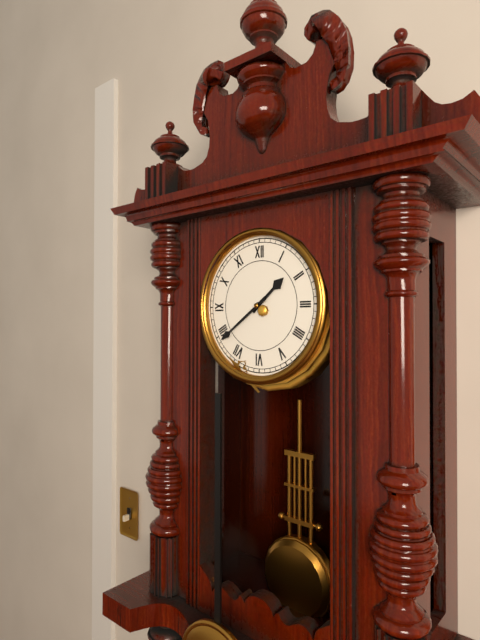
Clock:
{"hour": 1, "minute": 39}
